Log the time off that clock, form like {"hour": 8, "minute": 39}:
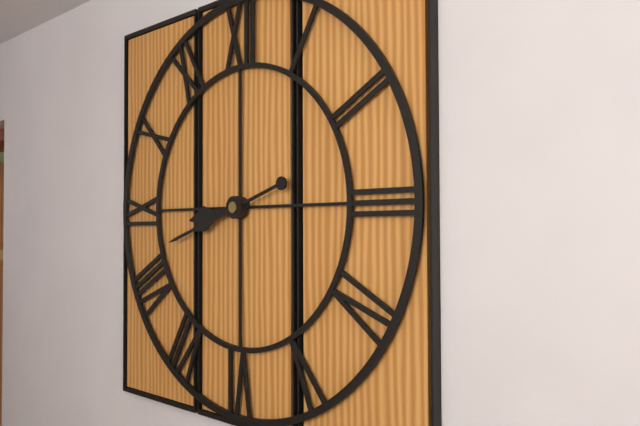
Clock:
{"hour": 8, "minute": 42}
